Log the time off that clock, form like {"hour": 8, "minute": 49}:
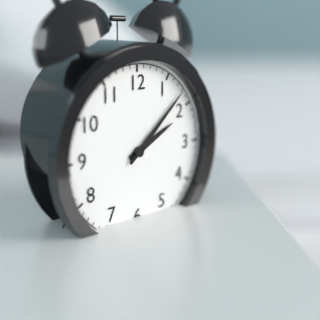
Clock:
{"hour": 2, "minute": 8}
